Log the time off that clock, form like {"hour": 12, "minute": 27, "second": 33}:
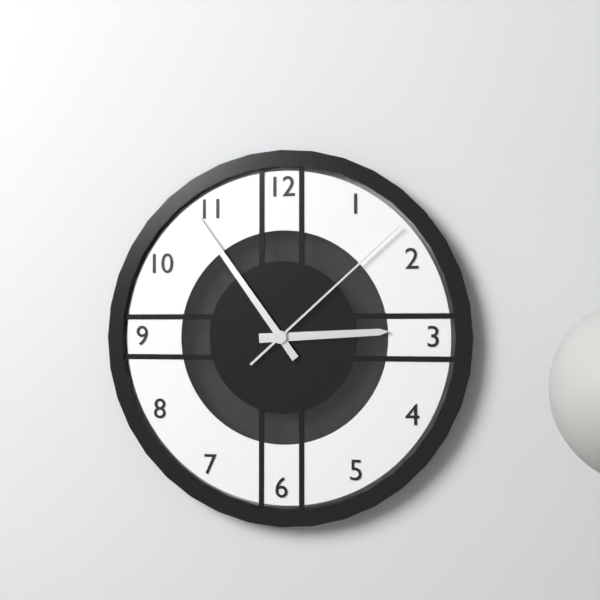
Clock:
{"hour": 2, "minute": 54, "second": 8}
